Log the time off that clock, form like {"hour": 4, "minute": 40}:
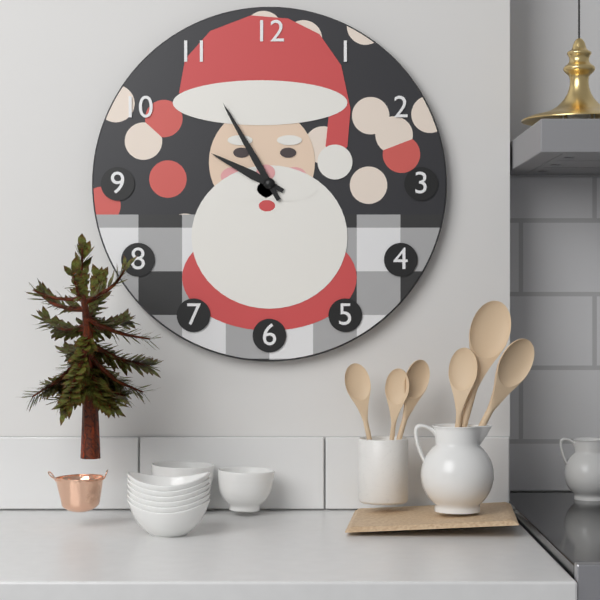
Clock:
{"hour": 9, "minute": 55}
